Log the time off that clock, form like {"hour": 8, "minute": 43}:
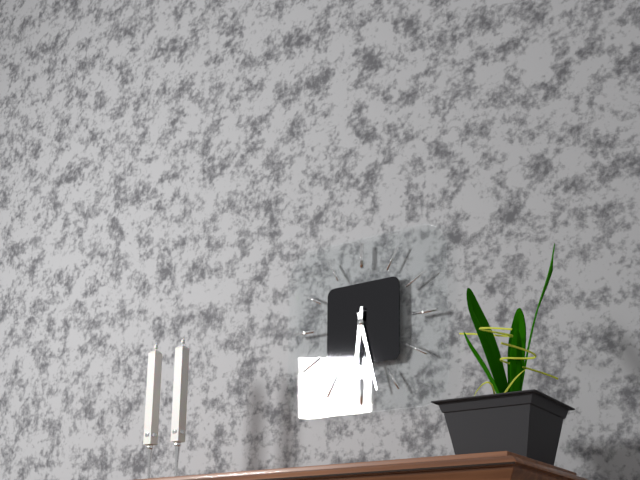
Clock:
{"hour": 5, "minute": 31}
